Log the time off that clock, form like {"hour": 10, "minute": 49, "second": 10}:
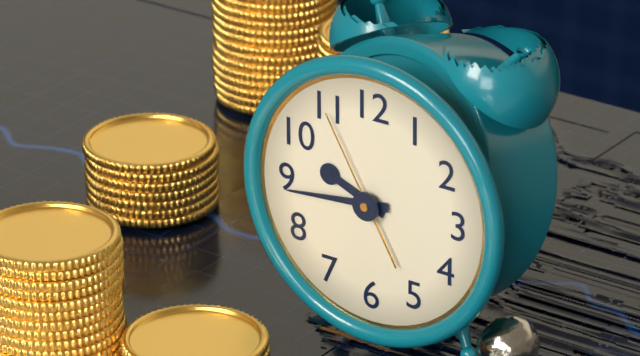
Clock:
{"hour": 9, "minute": 44, "second": 55}
